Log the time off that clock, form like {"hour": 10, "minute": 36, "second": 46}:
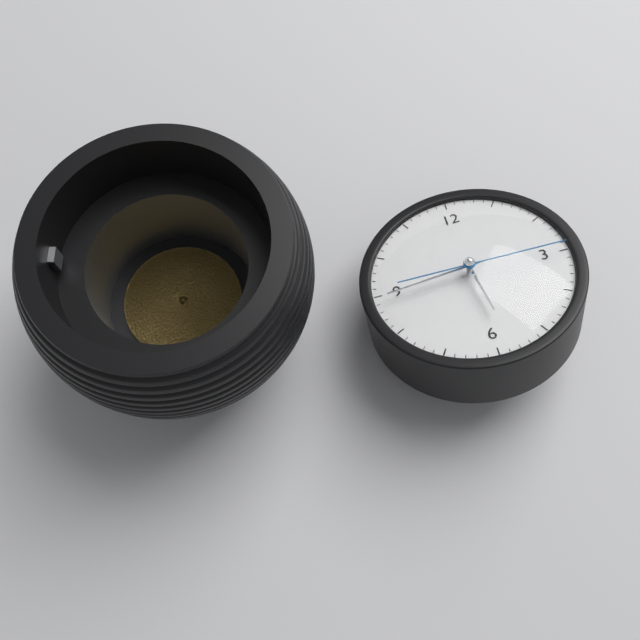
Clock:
{"hour": 5, "minute": 44, "second": 15}
